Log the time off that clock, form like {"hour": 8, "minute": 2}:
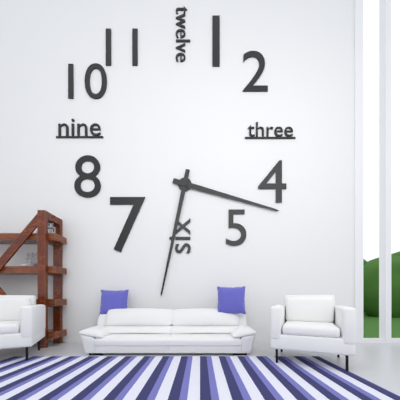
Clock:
{"hour": 3, "minute": 32}
